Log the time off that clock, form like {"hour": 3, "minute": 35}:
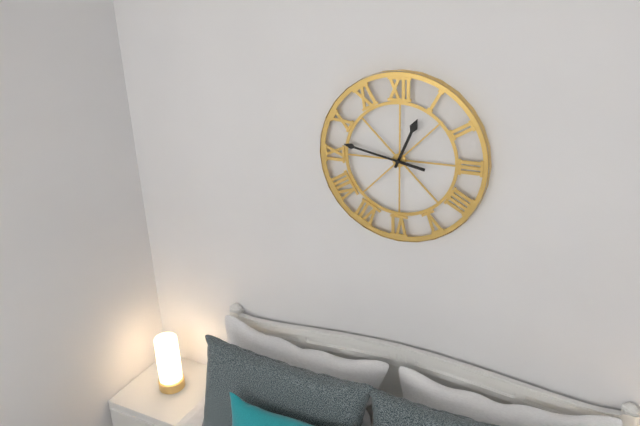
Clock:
{"hour": 12, "minute": 47}
